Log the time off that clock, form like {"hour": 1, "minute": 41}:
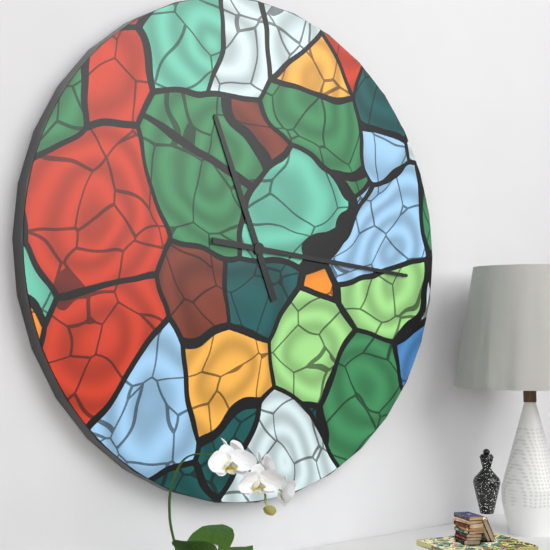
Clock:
{"hour": 11, "minute": 16}
